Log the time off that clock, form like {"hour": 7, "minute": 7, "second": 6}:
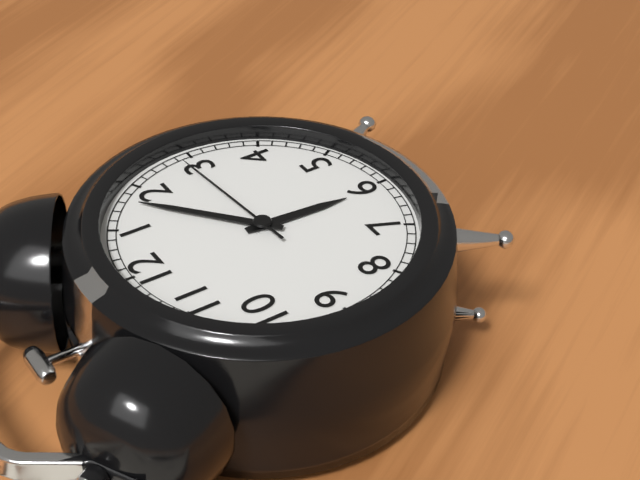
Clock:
{"hour": 6, "minute": 8, "second": 14}
